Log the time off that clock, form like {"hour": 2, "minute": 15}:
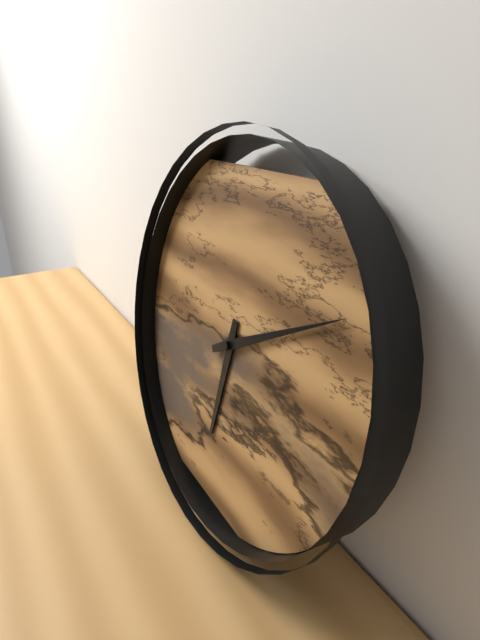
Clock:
{"hour": 6, "minute": 10}
